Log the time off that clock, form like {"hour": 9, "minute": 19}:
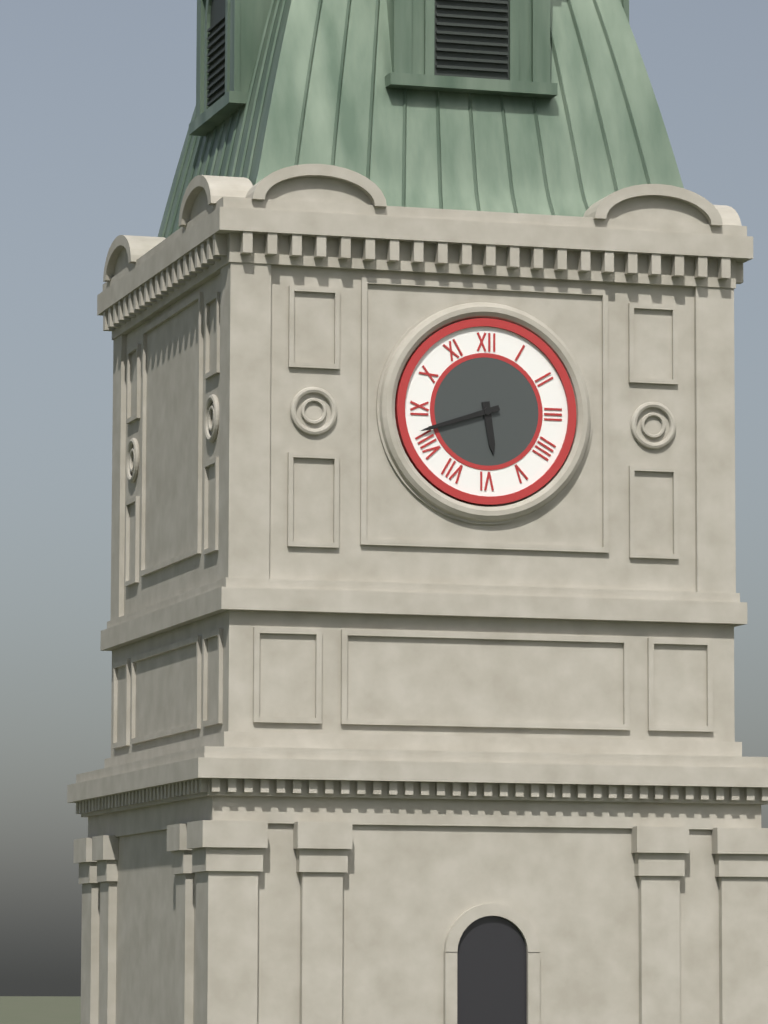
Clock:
{"hour": 5, "minute": 42}
